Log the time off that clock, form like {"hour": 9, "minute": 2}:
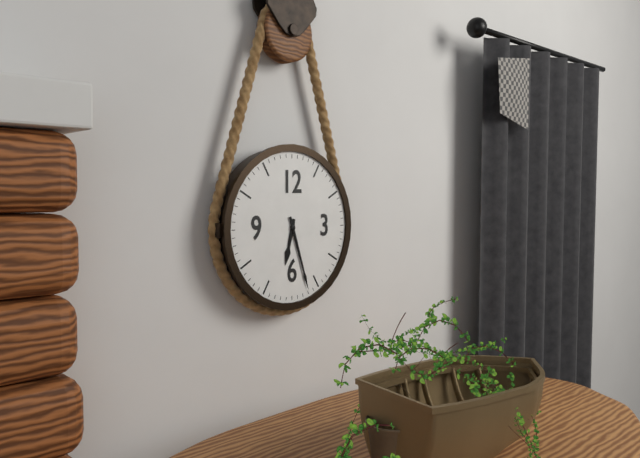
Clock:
{"hour": 6, "minute": 27}
